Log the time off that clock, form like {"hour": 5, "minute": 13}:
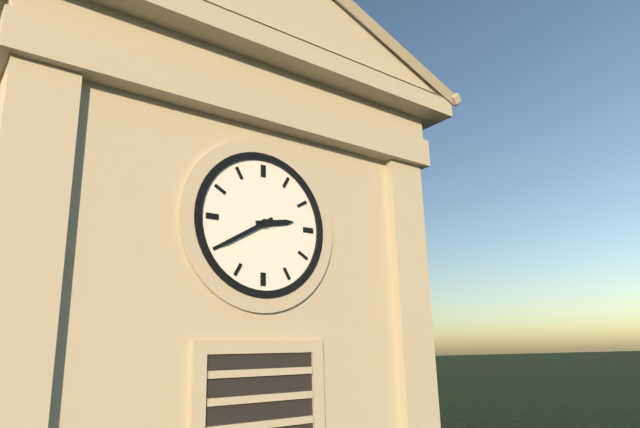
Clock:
{"hour": 2, "minute": 40}
